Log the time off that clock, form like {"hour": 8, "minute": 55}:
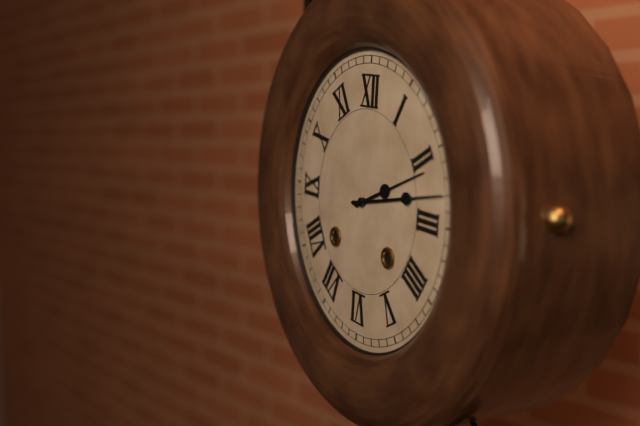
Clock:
{"hour": 2, "minute": 13}
